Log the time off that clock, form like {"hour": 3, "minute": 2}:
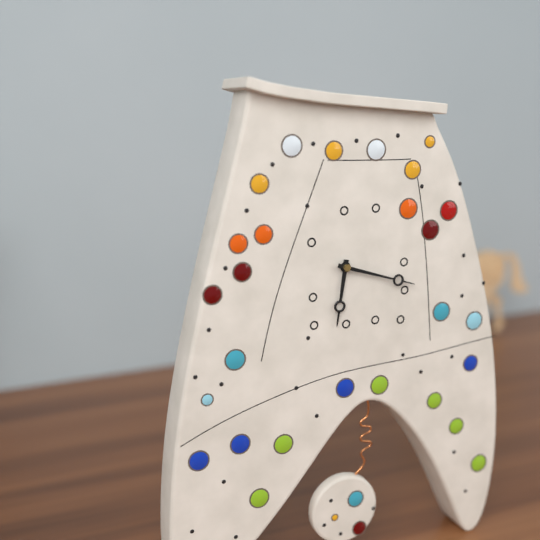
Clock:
{"hour": 6, "minute": 18}
